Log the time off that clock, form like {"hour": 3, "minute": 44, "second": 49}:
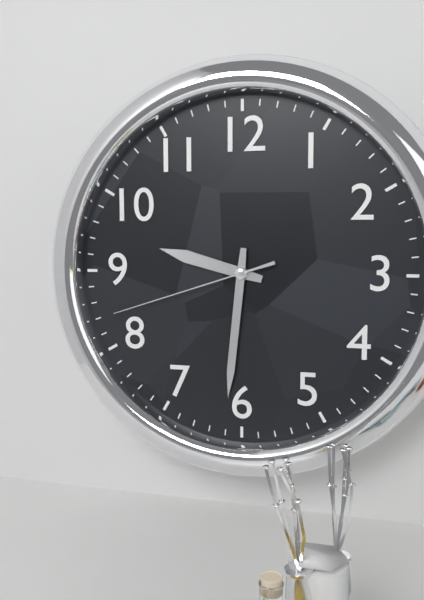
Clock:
{"hour": 9, "minute": 31, "second": 42}
